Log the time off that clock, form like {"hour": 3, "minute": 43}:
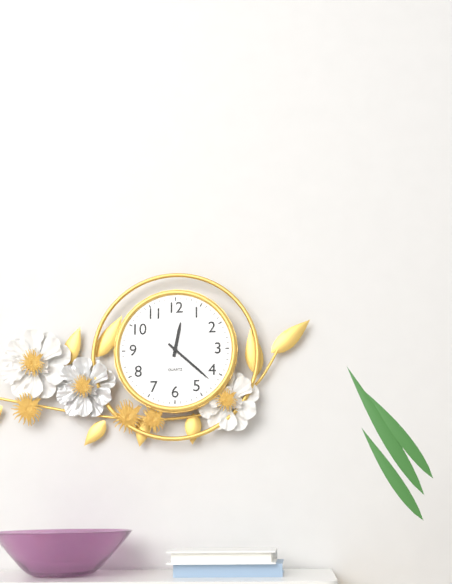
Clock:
{"hour": 12, "minute": 22}
